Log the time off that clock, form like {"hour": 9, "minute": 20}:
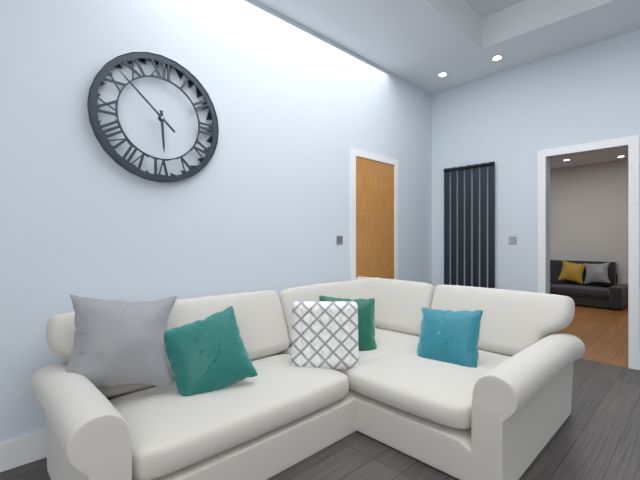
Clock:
{"hour": 5, "minute": 52}
